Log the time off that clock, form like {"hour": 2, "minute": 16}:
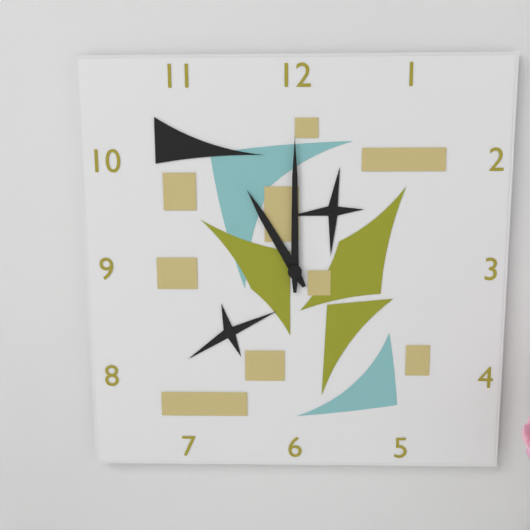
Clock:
{"hour": 11, "minute": 0}
